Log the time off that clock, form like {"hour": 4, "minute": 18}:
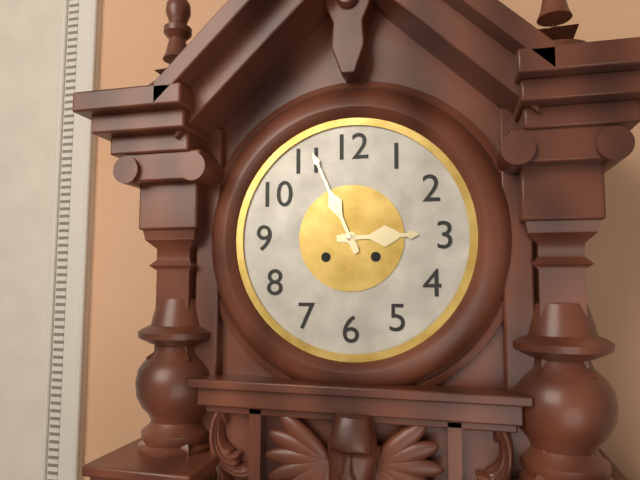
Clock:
{"hour": 2, "minute": 56}
